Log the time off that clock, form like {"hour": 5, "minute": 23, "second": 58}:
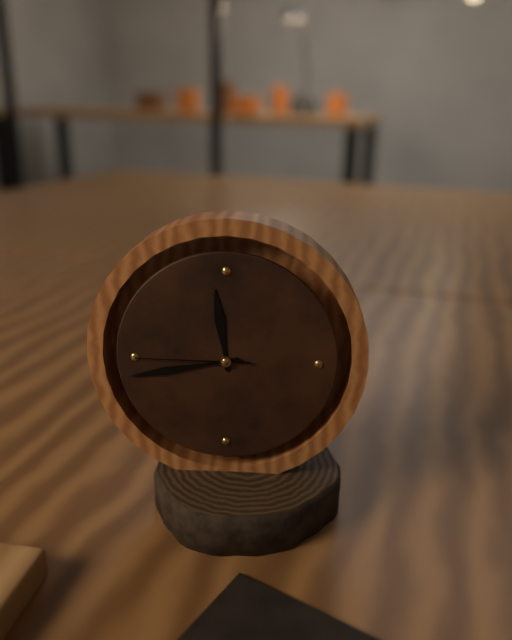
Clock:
{"hour": 11, "minute": 43, "second": 45}
